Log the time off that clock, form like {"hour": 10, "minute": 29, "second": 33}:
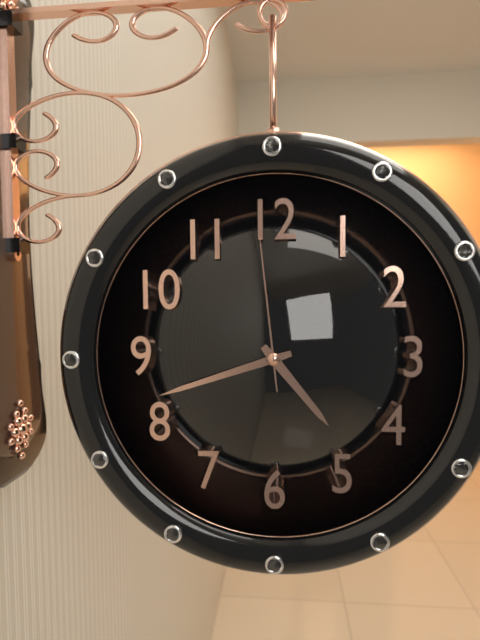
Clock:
{"hour": 4, "minute": 42, "second": 59}
